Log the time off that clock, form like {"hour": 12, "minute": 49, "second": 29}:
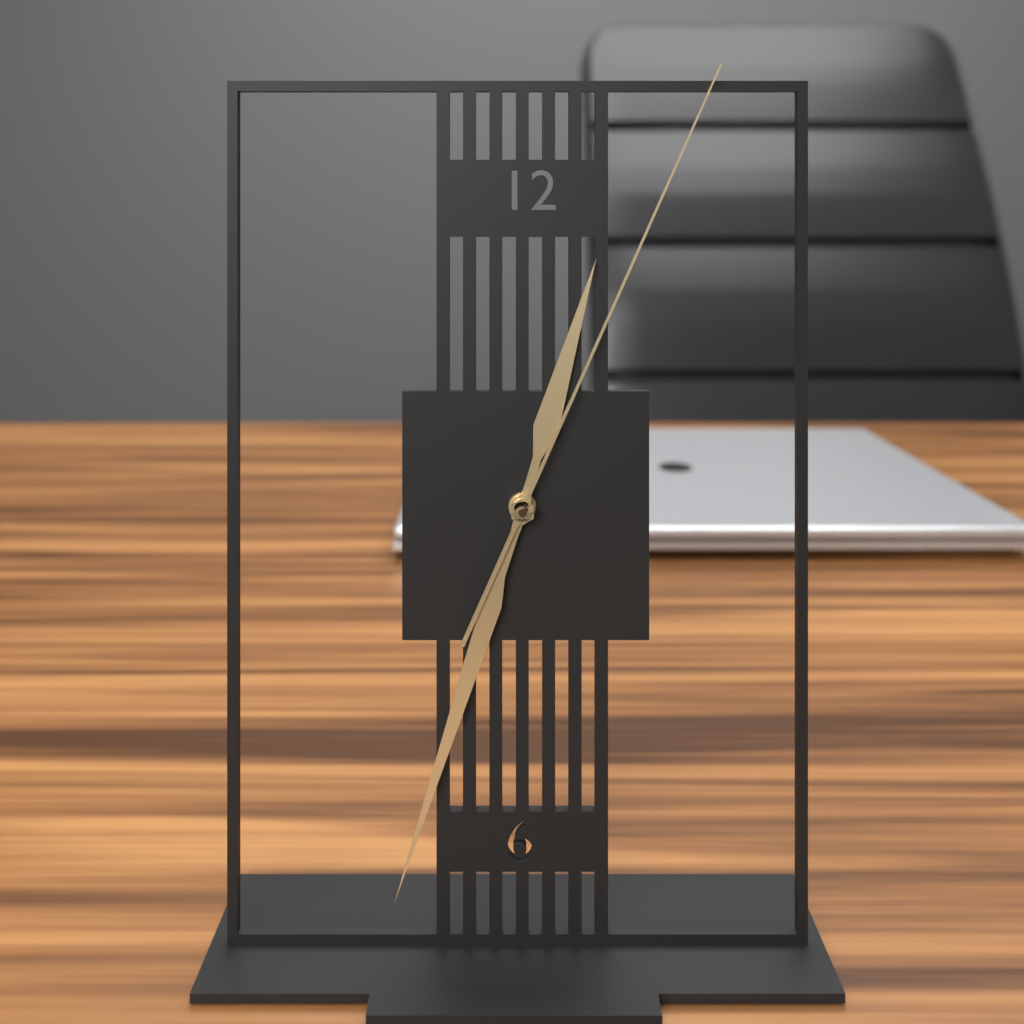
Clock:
{"hour": 12, "minute": 33, "second": 4}
